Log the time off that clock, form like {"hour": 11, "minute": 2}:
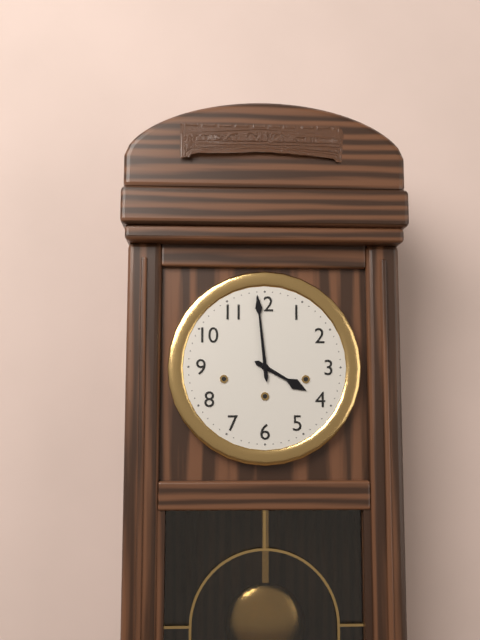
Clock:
{"hour": 3, "minute": 59}
